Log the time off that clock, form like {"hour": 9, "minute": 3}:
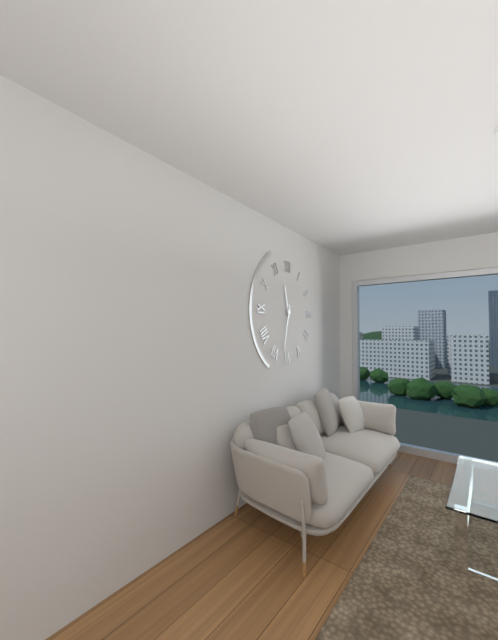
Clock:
{"hour": 11, "minute": 32}
